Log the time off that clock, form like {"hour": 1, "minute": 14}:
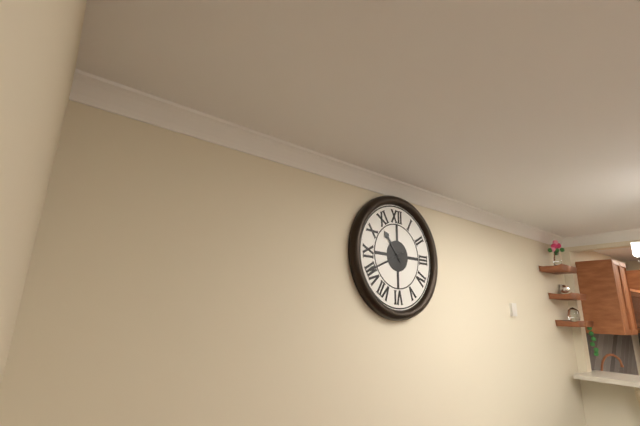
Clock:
{"hour": 10, "minute": 41}
